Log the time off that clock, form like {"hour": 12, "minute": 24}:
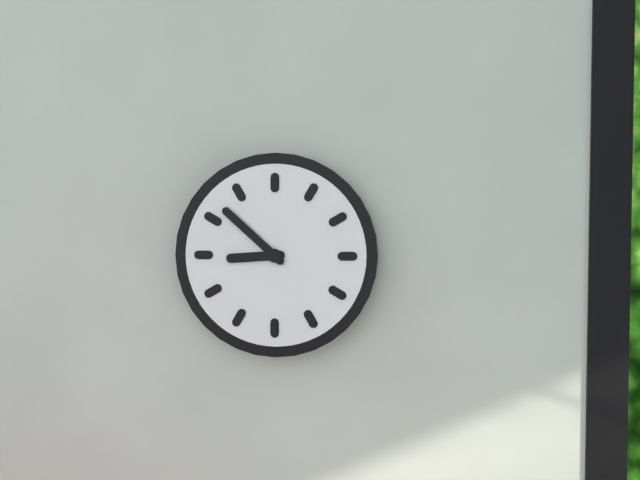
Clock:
{"hour": 8, "minute": 52}
